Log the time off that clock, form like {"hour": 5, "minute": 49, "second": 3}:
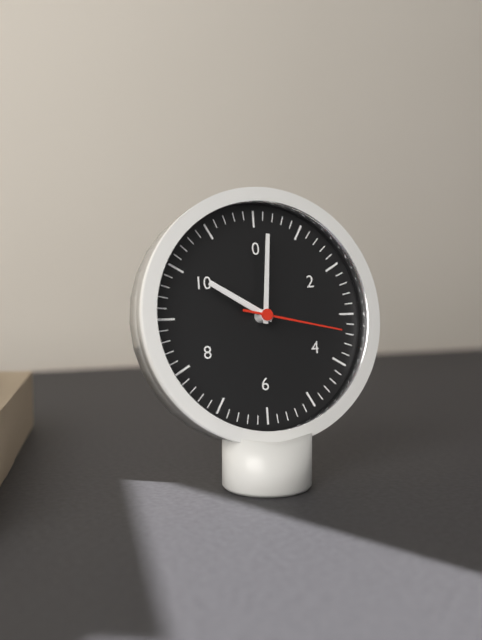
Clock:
{"hour": 10, "minute": 1, "second": 17}
